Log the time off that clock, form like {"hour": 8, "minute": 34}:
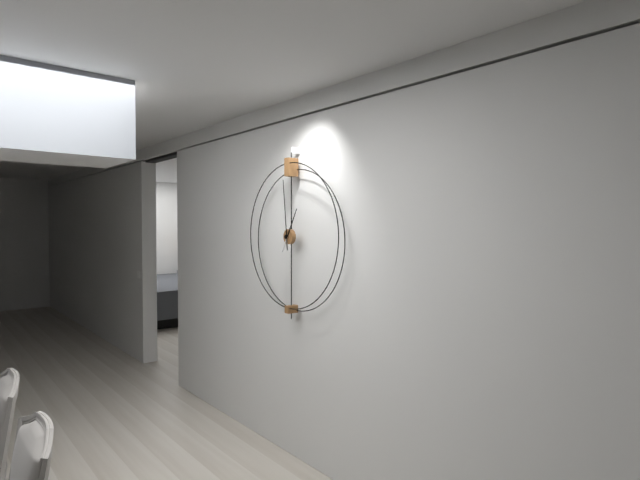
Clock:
{"hour": 12, "minute": 59}
